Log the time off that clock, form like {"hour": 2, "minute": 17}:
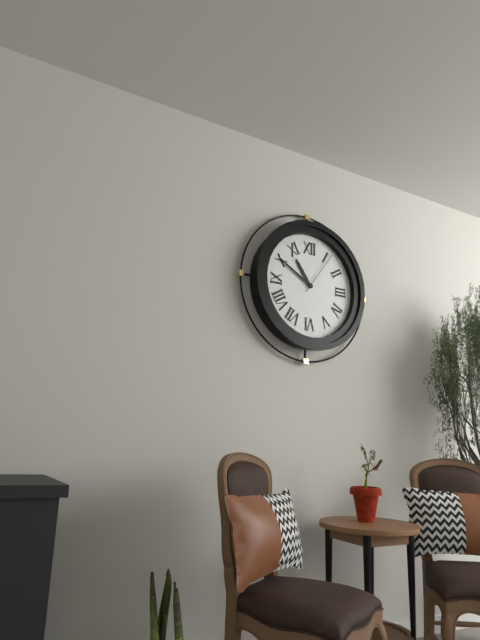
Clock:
{"hour": 10, "minute": 50}
